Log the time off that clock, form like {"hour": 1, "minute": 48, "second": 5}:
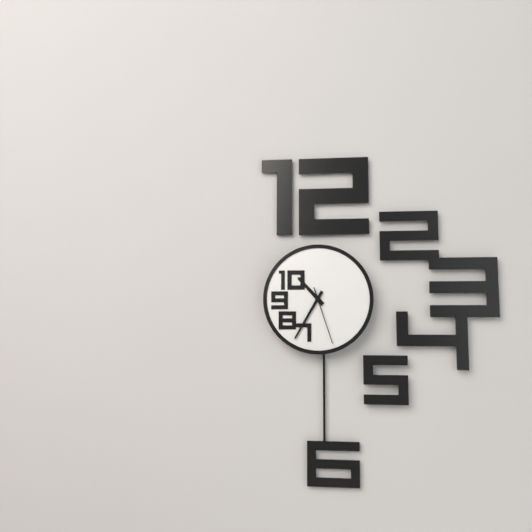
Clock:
{"hour": 10, "minute": 35, "second": 27}
